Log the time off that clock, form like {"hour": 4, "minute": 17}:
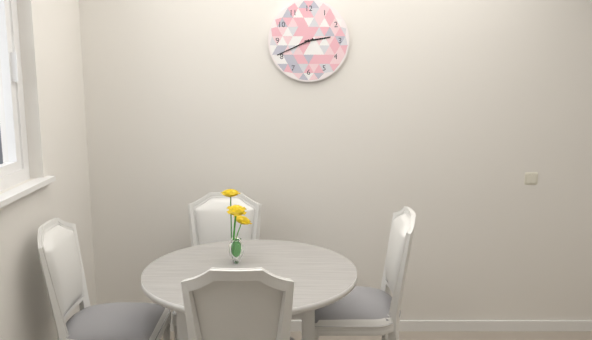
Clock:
{"hour": 2, "minute": 41}
